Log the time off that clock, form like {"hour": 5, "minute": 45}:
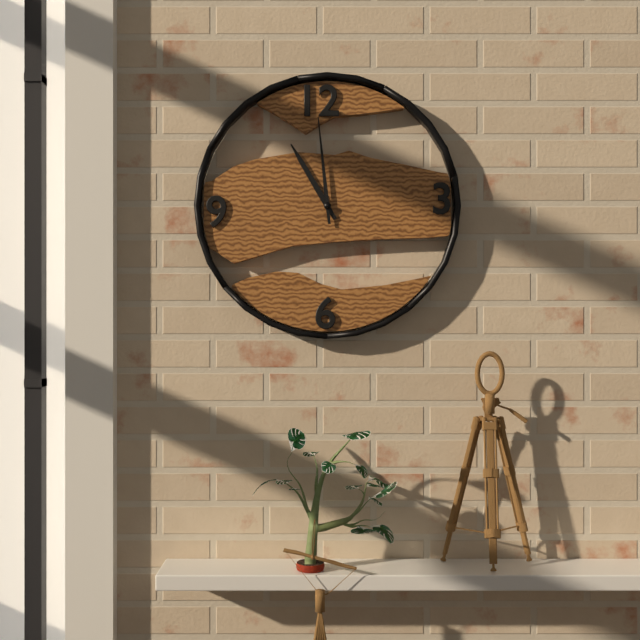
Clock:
{"hour": 10, "minute": 59}
